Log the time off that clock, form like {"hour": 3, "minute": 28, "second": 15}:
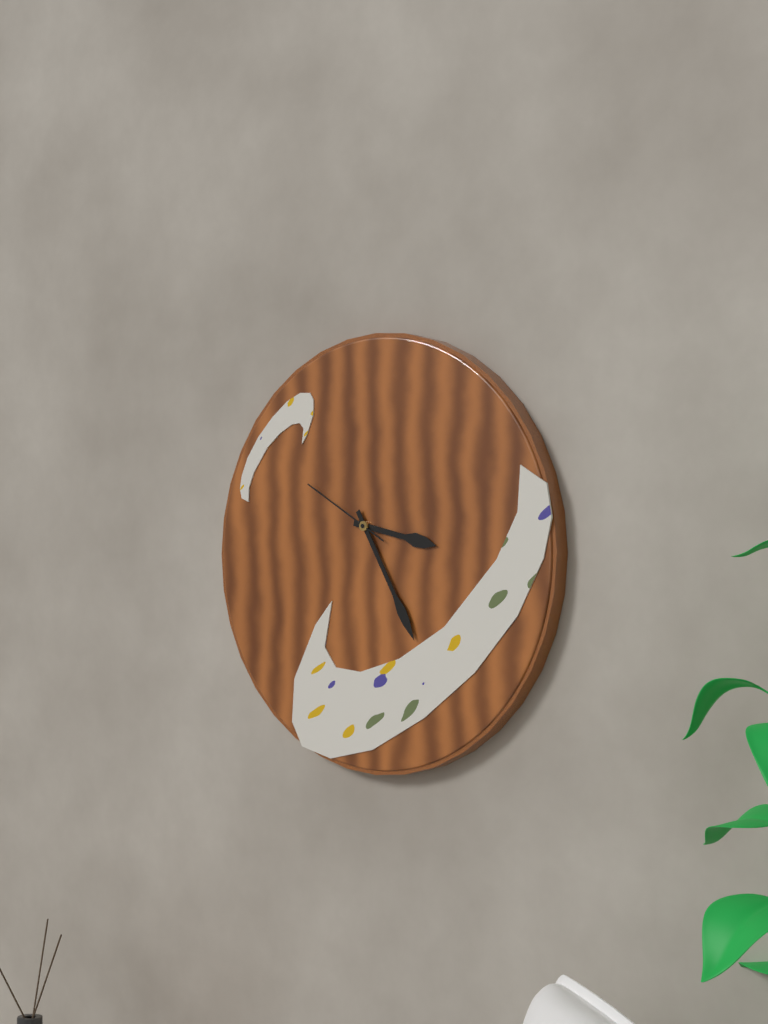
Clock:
{"hour": 3, "minute": 25, "second": 50}
